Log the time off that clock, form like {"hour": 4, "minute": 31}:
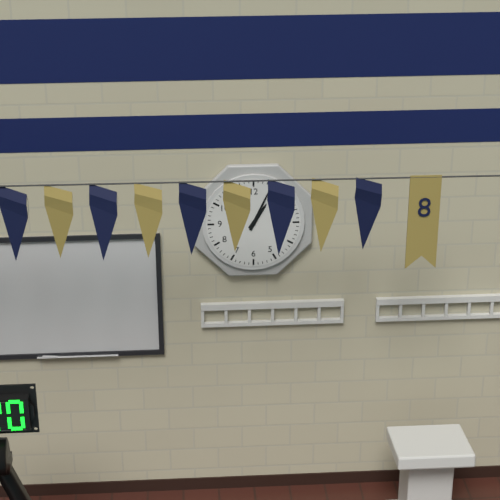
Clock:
{"hour": 1, "minute": 4}
